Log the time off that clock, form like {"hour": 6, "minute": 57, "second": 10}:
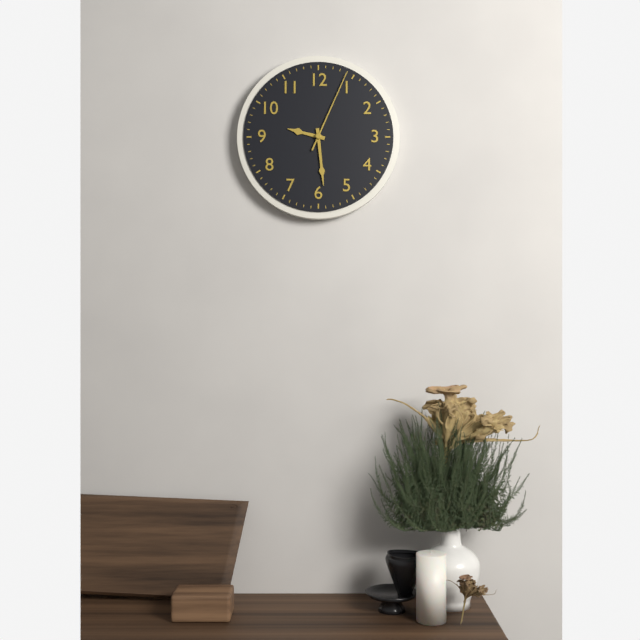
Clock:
{"hour": 9, "minute": 29, "second": 4}
